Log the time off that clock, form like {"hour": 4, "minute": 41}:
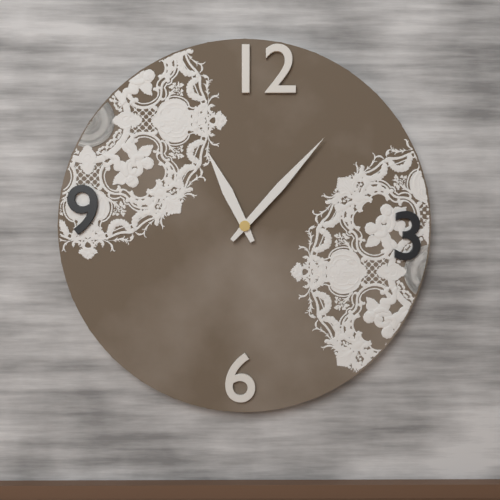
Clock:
{"hour": 11, "minute": 7}
